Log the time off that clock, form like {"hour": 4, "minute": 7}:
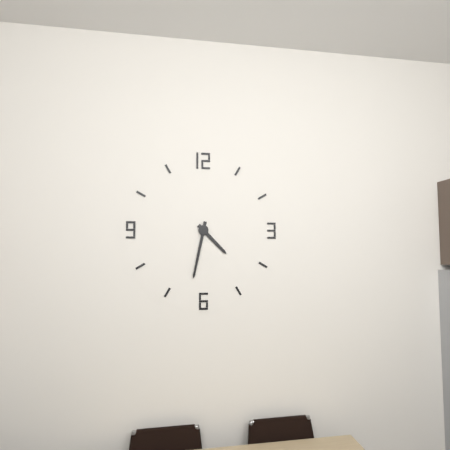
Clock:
{"hour": 4, "minute": 32}
